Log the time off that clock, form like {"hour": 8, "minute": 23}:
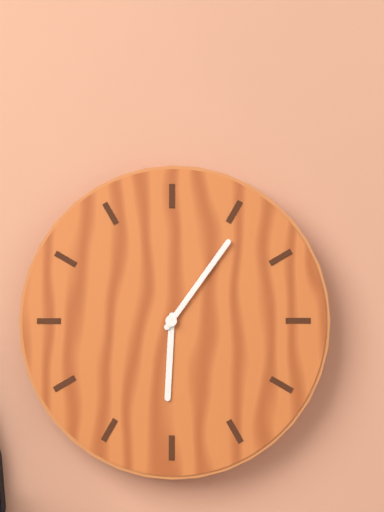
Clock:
{"hour": 6, "minute": 6}
